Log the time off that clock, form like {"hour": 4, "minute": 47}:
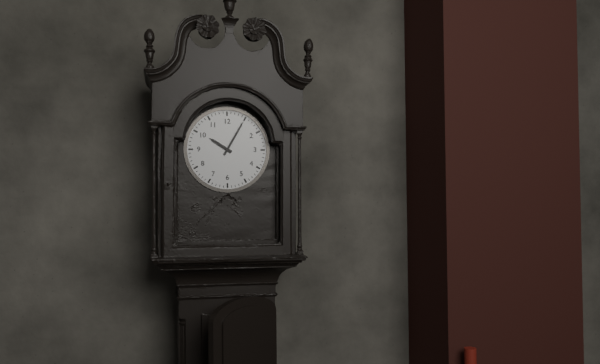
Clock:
{"hour": 10, "minute": 5}
